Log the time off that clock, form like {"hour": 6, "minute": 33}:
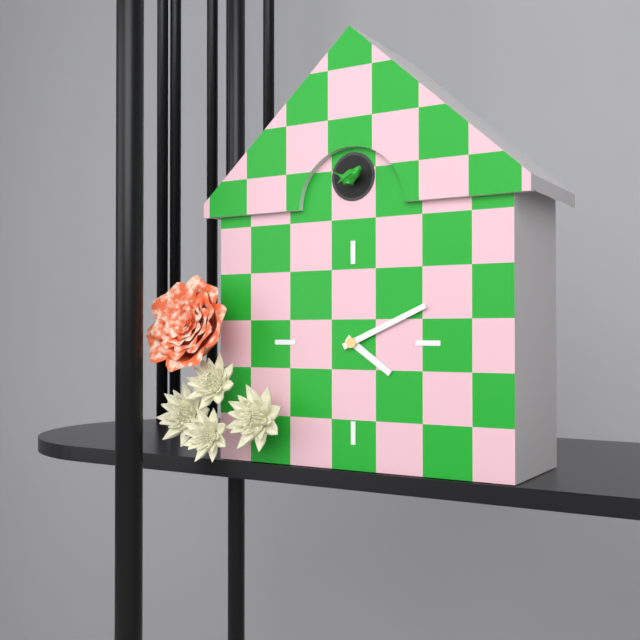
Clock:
{"hour": 4, "minute": 11}
